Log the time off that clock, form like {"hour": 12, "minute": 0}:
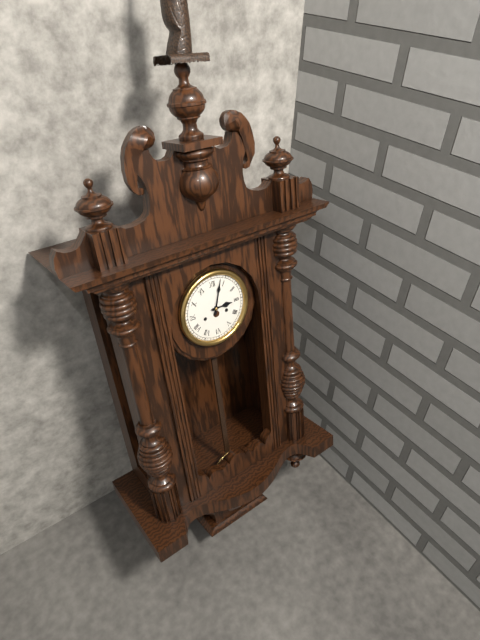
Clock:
{"hour": 3, "minute": 3}
